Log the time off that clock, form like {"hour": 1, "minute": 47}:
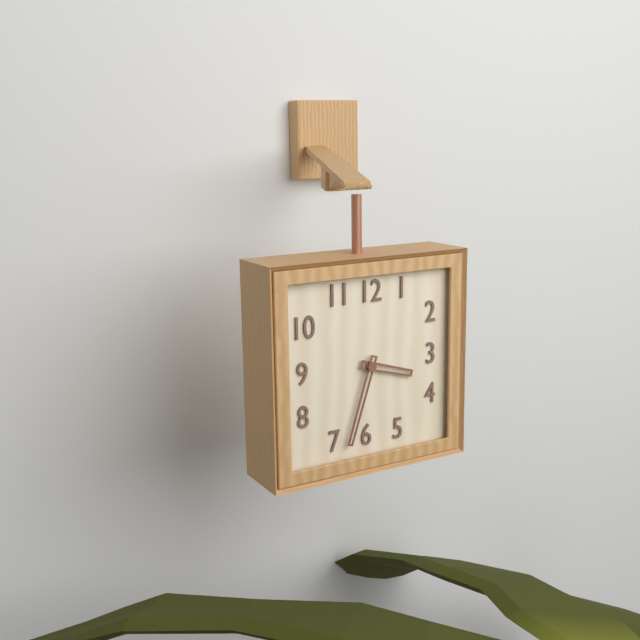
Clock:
{"hour": 3, "minute": 33}
